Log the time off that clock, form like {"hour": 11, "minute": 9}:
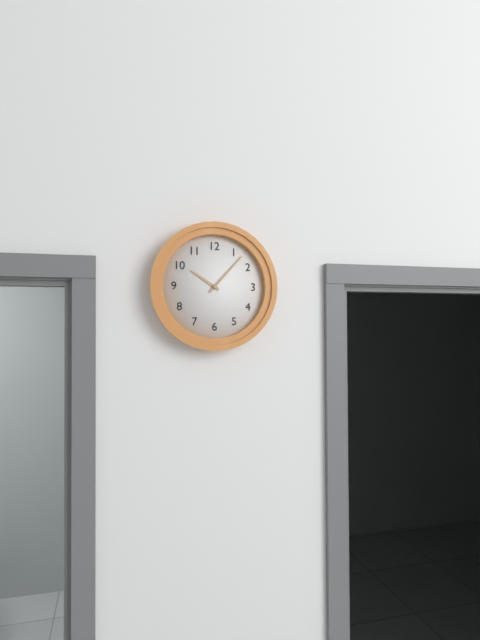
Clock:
{"hour": 10, "minute": 7}
